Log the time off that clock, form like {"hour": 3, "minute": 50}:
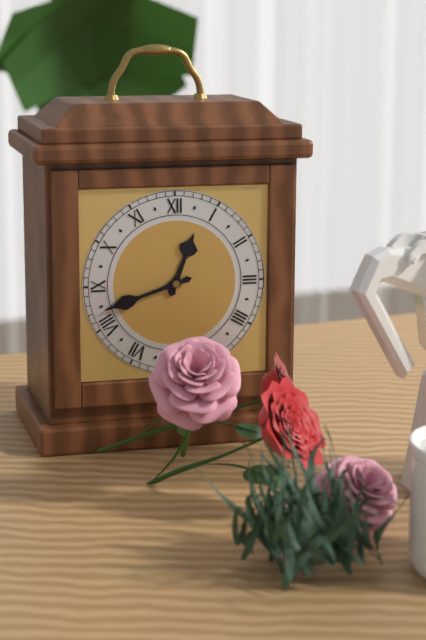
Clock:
{"hour": 12, "minute": 42}
